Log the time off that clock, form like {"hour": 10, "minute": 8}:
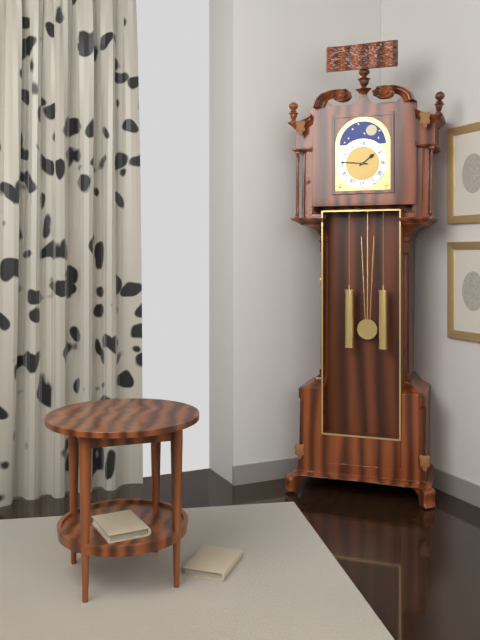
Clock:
{"hour": 1, "minute": 46}
